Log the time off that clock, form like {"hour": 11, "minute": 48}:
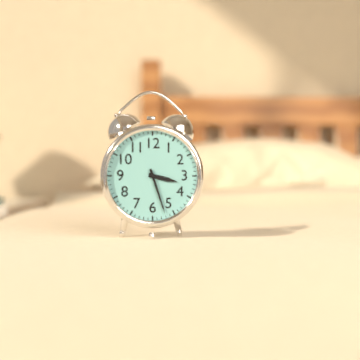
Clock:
{"hour": 3, "minute": 27}
